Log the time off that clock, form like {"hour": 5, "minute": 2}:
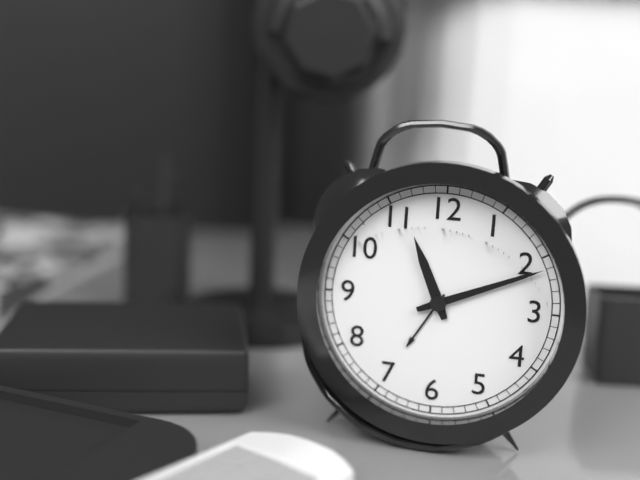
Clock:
{"hour": 11, "minute": 11}
